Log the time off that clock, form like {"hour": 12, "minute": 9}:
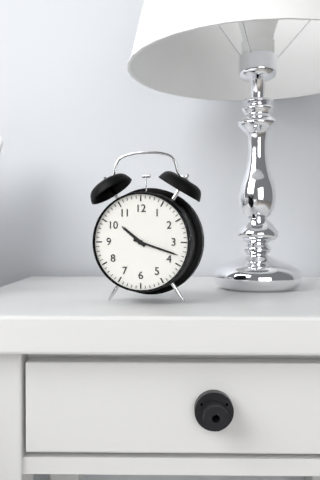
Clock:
{"hour": 10, "minute": 18}
